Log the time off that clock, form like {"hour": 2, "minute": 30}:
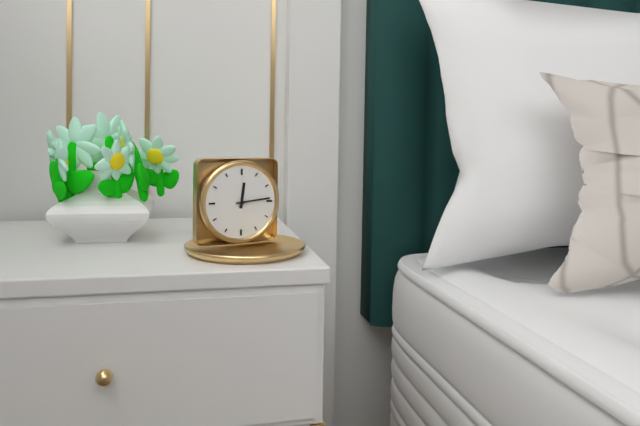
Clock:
{"hour": 12, "minute": 14}
